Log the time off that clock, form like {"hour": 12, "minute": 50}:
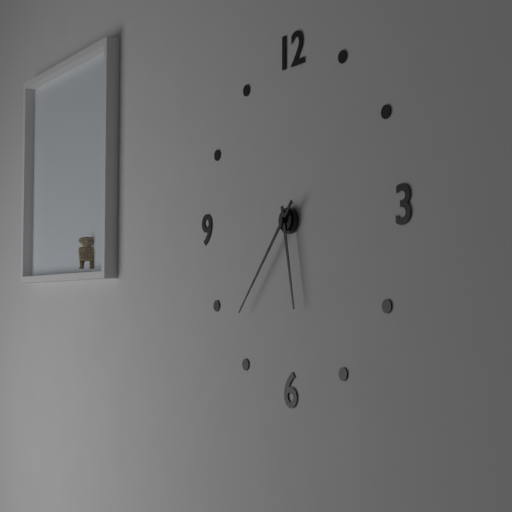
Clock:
{"hour": 5, "minute": 37}
